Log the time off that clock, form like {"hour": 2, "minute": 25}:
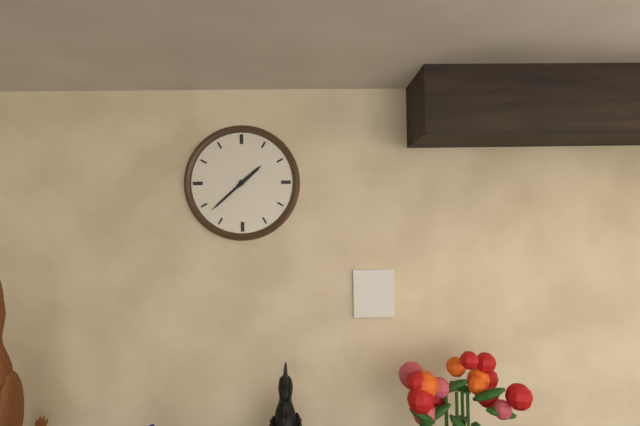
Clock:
{"hour": 1, "minute": 38}
